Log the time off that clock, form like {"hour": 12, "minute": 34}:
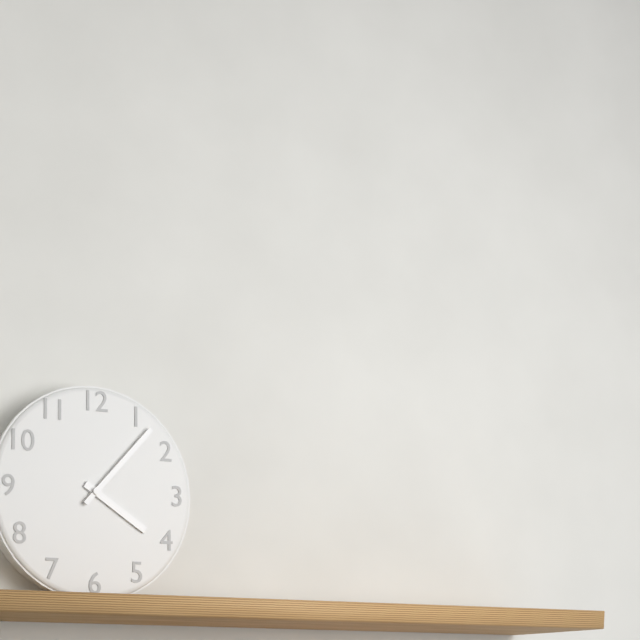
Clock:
{"hour": 4, "minute": 7}
